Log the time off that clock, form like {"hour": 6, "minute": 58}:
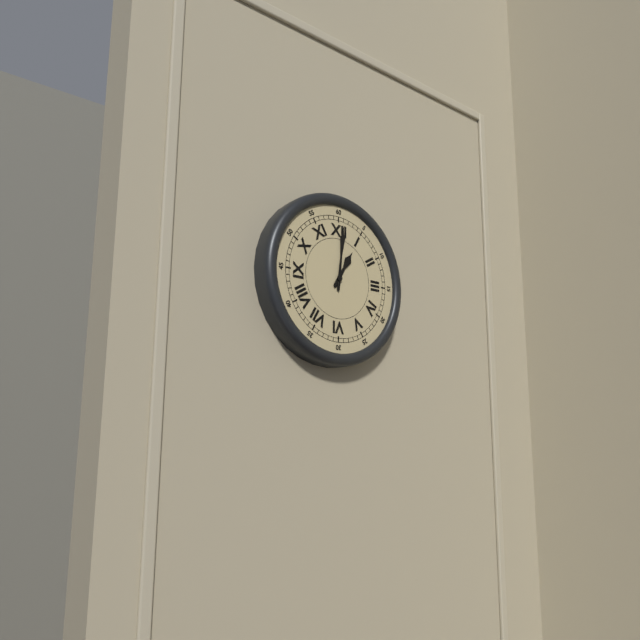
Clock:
{"hour": 1, "minute": 1}
